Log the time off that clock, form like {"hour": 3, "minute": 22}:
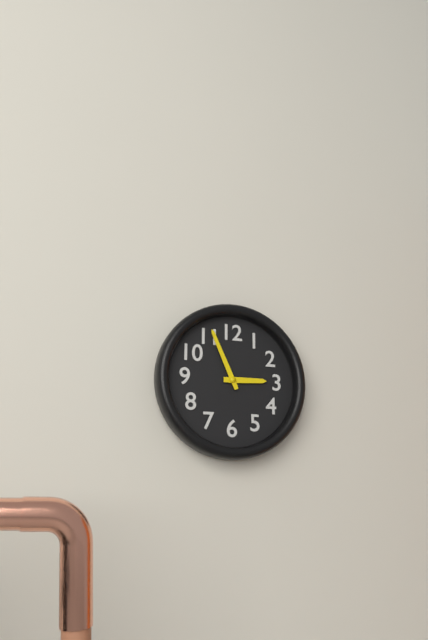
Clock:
{"hour": 2, "minute": 56}
